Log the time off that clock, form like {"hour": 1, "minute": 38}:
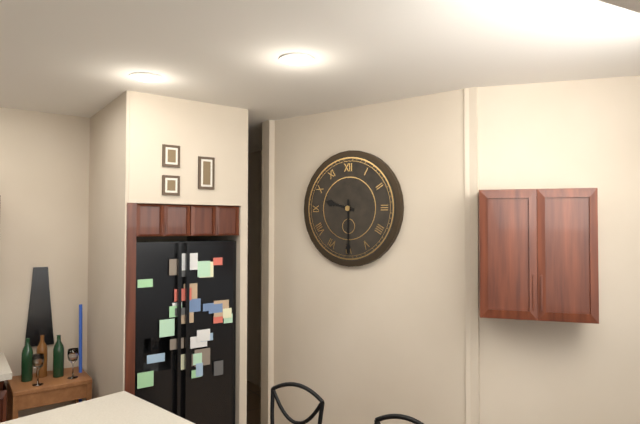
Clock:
{"hour": 9, "minute": 30}
